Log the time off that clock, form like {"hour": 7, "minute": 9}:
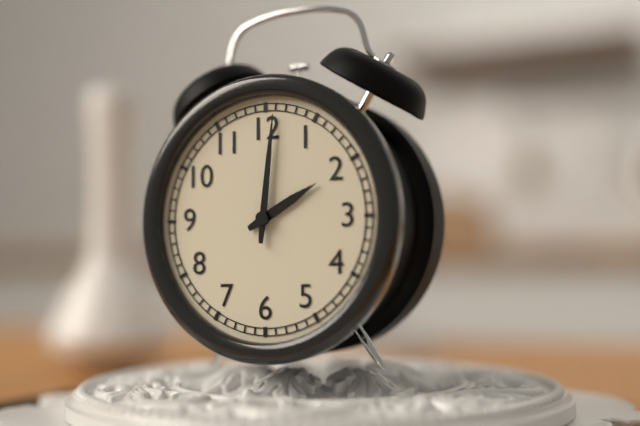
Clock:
{"hour": 2, "minute": 1}
